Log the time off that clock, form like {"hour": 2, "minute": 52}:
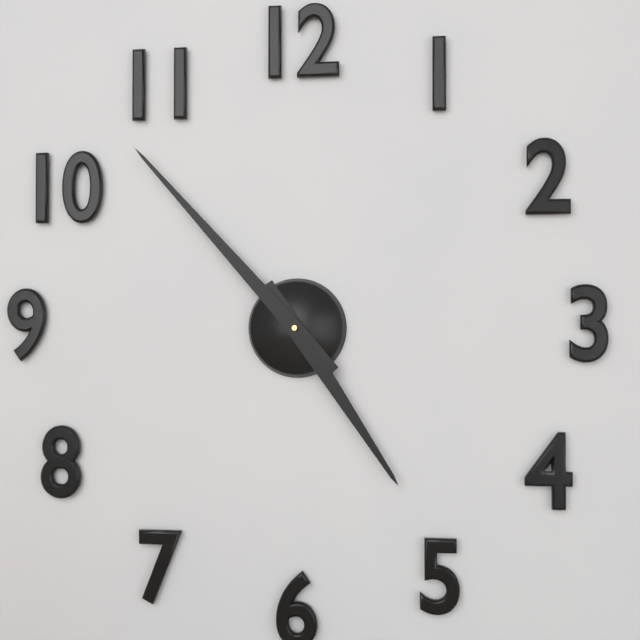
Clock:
{"hour": 4, "minute": 53}
